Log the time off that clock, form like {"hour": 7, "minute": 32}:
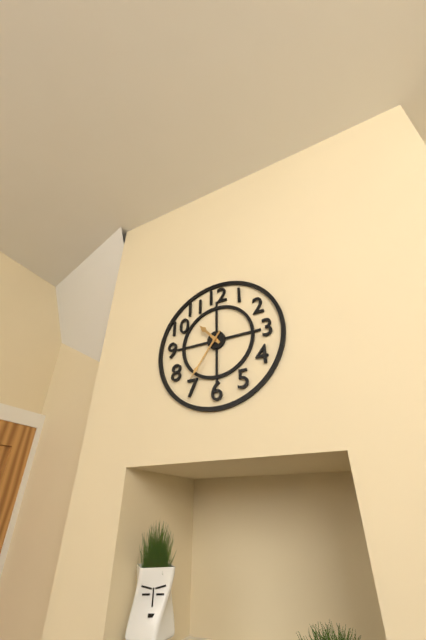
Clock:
{"hour": 10, "minute": 36}
